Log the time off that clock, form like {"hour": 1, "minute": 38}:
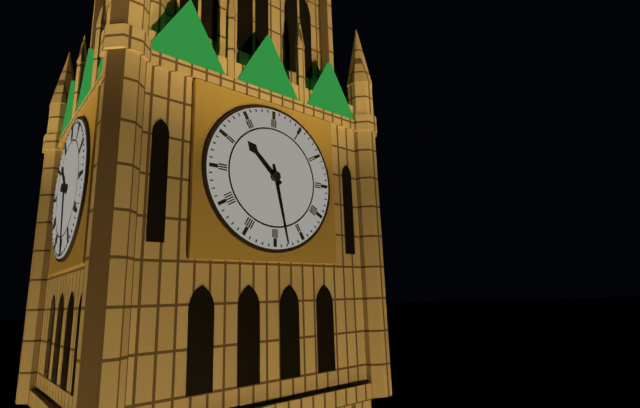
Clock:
{"hour": 10, "minute": 28}
